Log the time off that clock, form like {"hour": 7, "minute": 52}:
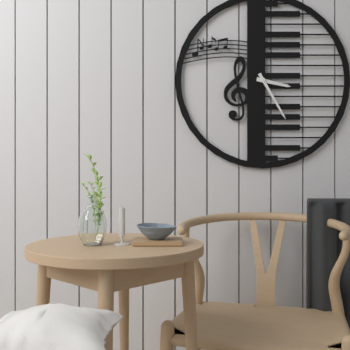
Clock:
{"hour": 3, "minute": 25}
